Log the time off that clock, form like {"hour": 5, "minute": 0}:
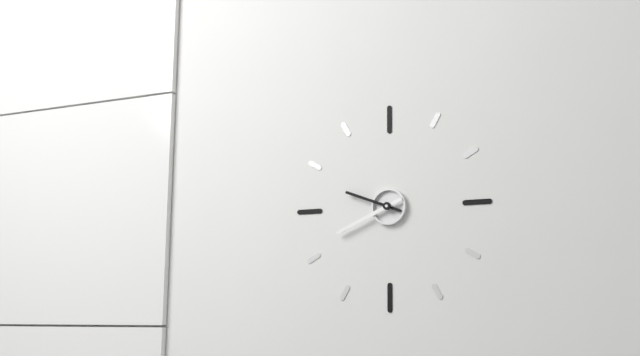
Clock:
{"hour": 9, "minute": 41}
